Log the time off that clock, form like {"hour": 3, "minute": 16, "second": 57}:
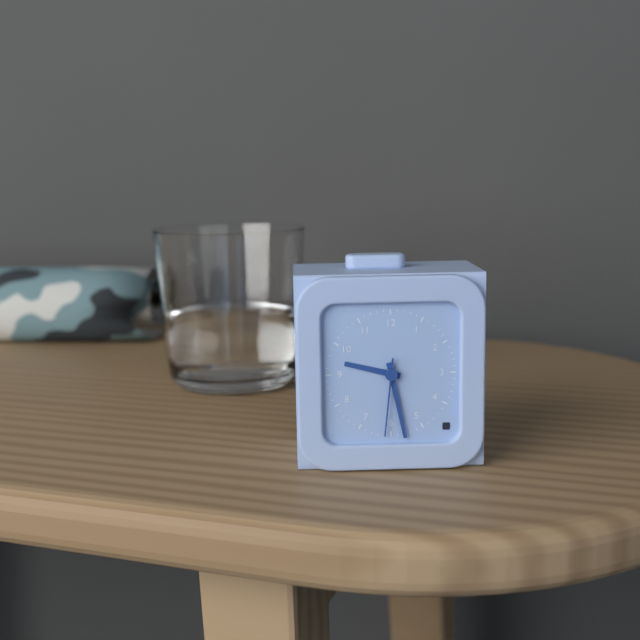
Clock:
{"hour": 9, "minute": 28, "second": 31}
